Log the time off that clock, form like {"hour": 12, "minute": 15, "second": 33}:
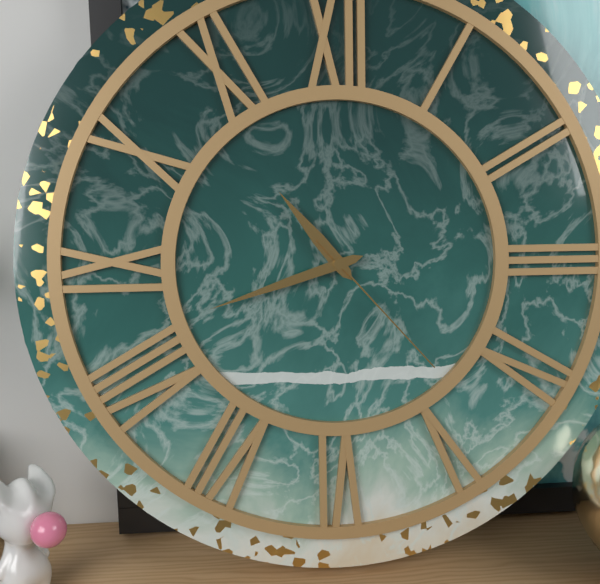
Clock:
{"hour": 10, "minute": 42, "second": 23}
